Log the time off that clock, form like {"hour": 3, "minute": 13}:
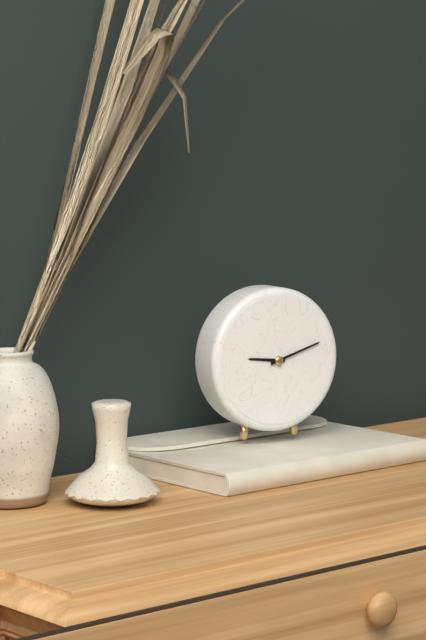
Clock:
{"hour": 9, "minute": 12}
